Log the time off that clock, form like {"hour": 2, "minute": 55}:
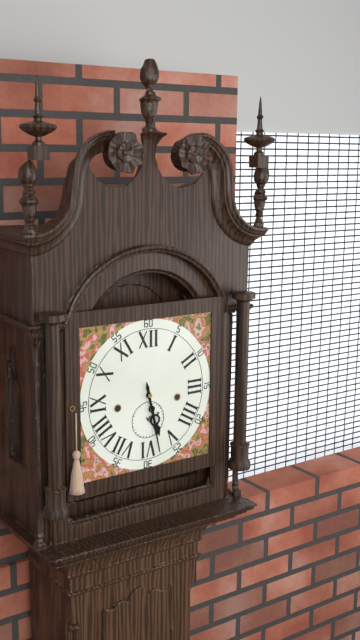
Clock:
{"hour": 5, "minute": 28}
